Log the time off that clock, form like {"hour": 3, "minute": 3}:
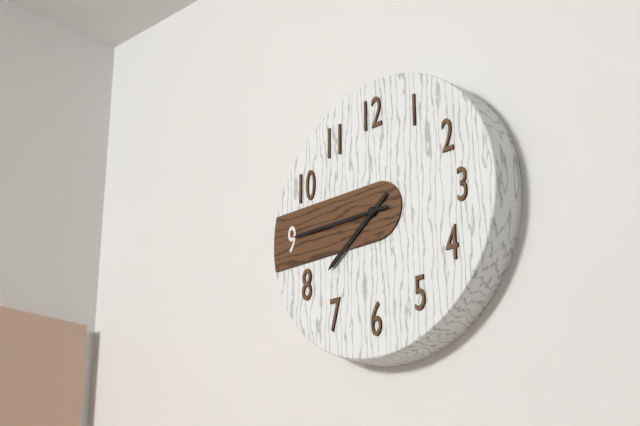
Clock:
{"hour": 7, "minute": 45}
